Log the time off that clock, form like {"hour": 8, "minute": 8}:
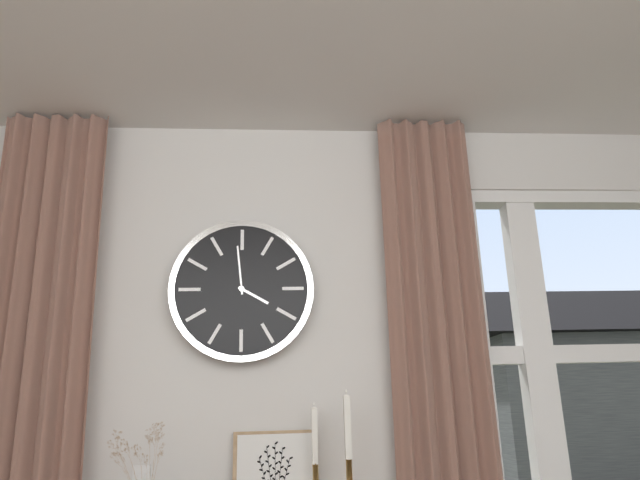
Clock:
{"hour": 3, "minute": 59}
